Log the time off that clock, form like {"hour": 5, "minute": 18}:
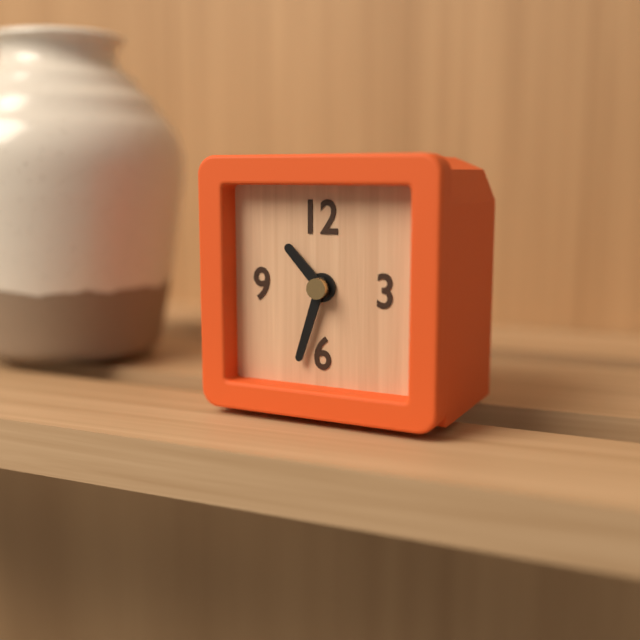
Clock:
{"hour": 10, "minute": 33}
